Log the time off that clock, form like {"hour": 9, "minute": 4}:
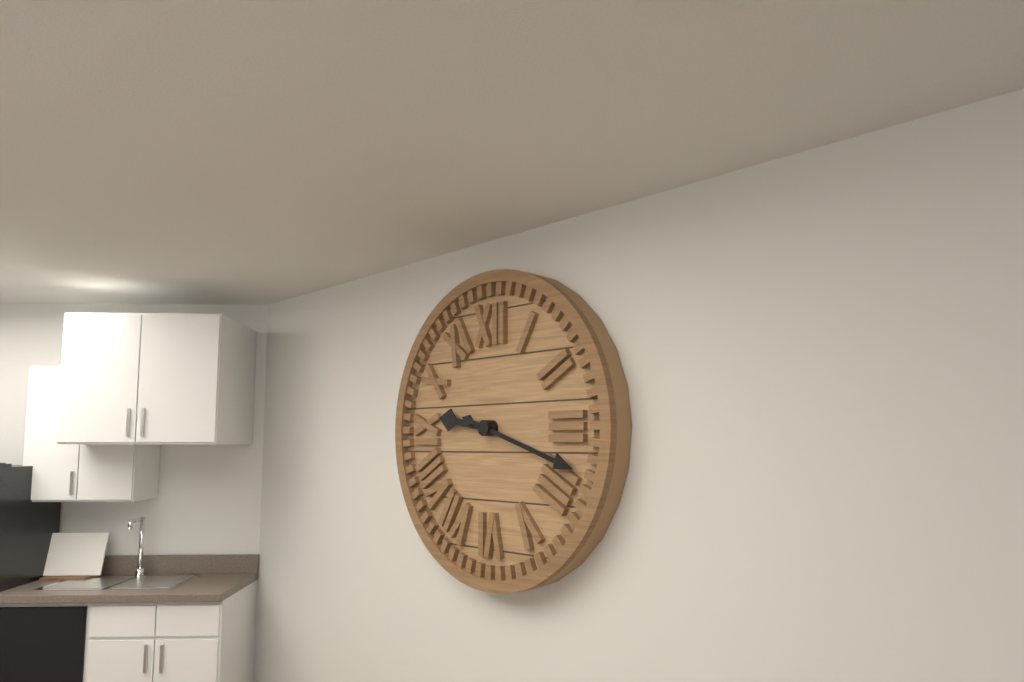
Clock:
{"hour": 9, "minute": 18}
